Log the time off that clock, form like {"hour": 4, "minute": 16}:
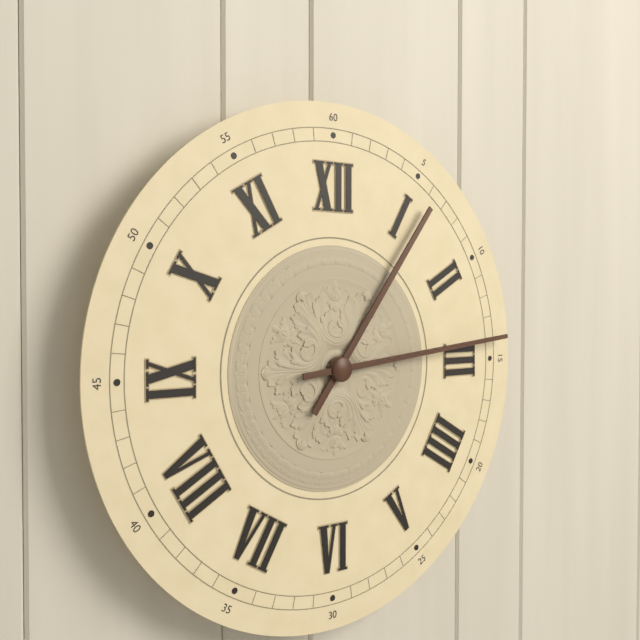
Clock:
{"hour": 1, "minute": 14}
